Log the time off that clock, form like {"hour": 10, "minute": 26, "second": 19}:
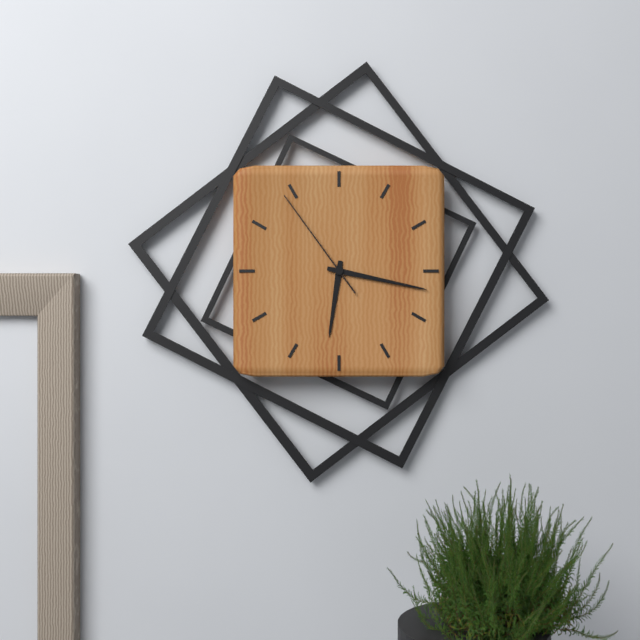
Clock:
{"hour": 6, "minute": 17, "second": 54}
